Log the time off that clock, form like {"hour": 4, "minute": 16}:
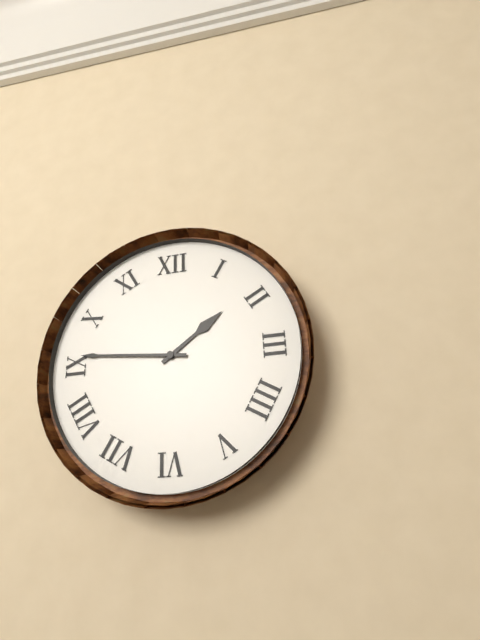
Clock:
{"hour": 1, "minute": 46}
